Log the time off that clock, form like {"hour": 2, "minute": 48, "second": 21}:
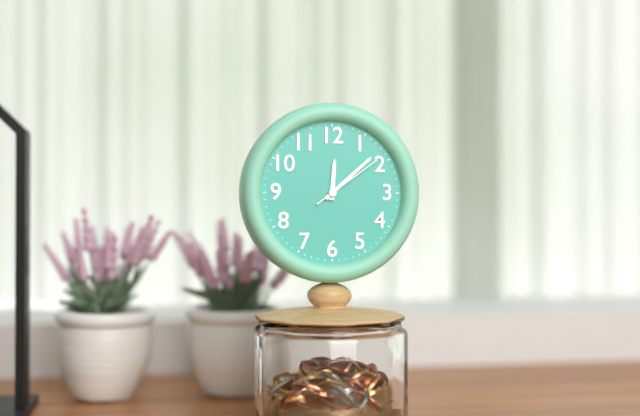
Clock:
{"hour": 12, "minute": 8, "second": 9}
